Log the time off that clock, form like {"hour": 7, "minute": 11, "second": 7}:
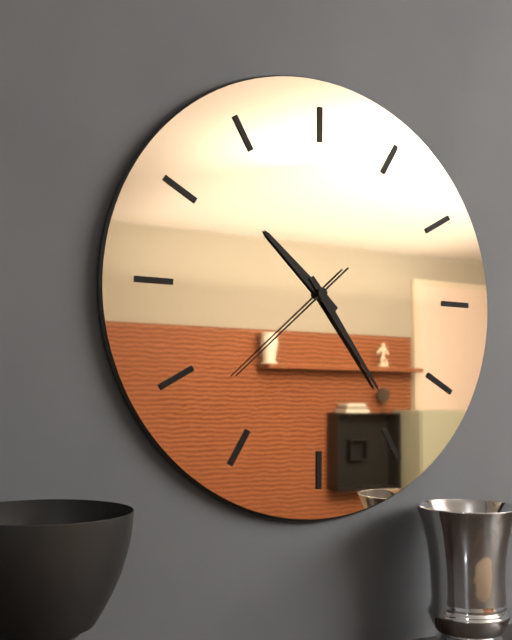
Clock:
{"hour": 10, "minute": 24, "second": 38}
